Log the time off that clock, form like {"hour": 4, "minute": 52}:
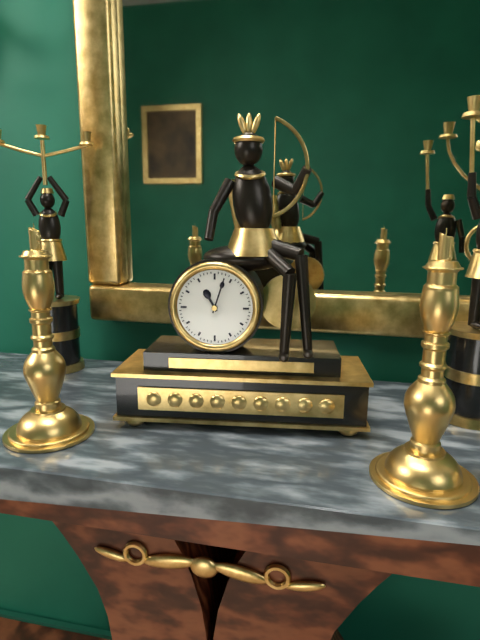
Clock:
{"hour": 11, "minute": 3}
